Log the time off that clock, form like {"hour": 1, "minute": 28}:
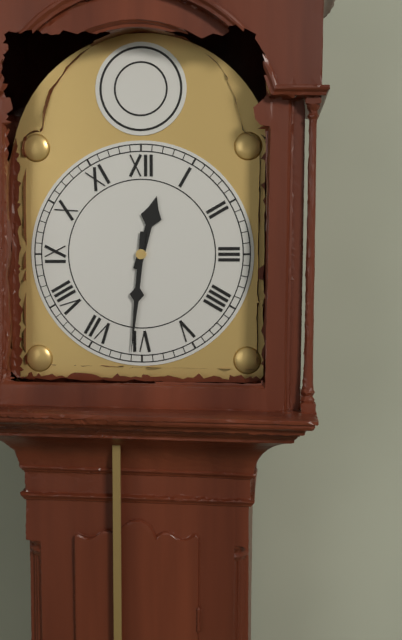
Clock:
{"hour": 12, "minute": 31}
